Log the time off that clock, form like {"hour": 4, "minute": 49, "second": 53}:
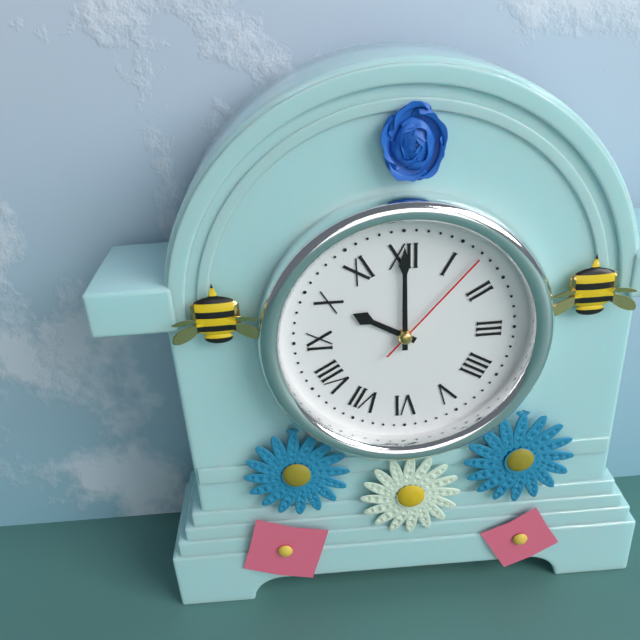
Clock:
{"hour": 10, "minute": 0, "second": 7}
